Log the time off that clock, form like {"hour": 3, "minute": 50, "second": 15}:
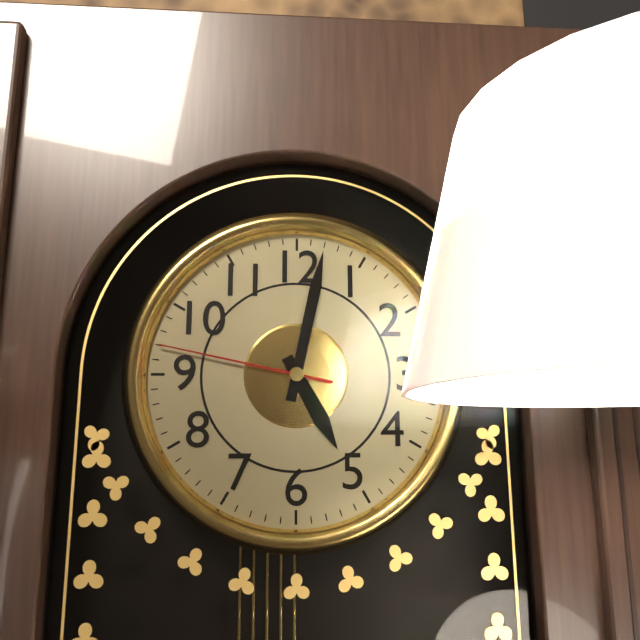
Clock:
{"hour": 5, "minute": 2, "second": 47}
